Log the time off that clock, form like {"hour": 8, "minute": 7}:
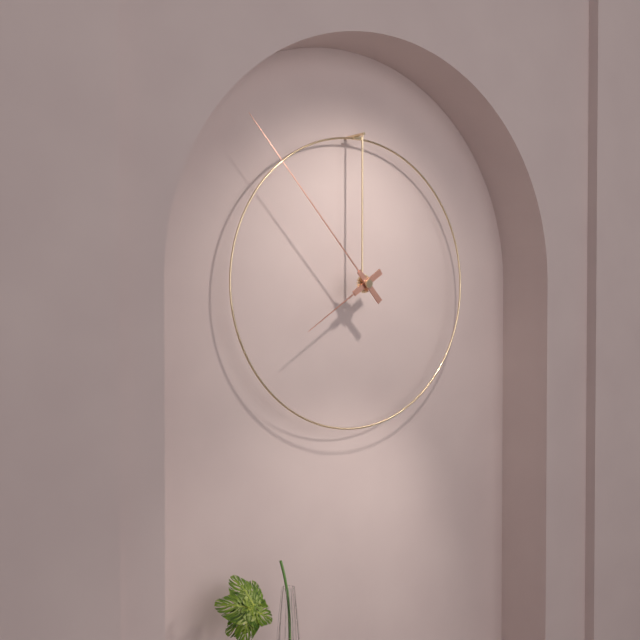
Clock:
{"hour": 7, "minute": 53}
